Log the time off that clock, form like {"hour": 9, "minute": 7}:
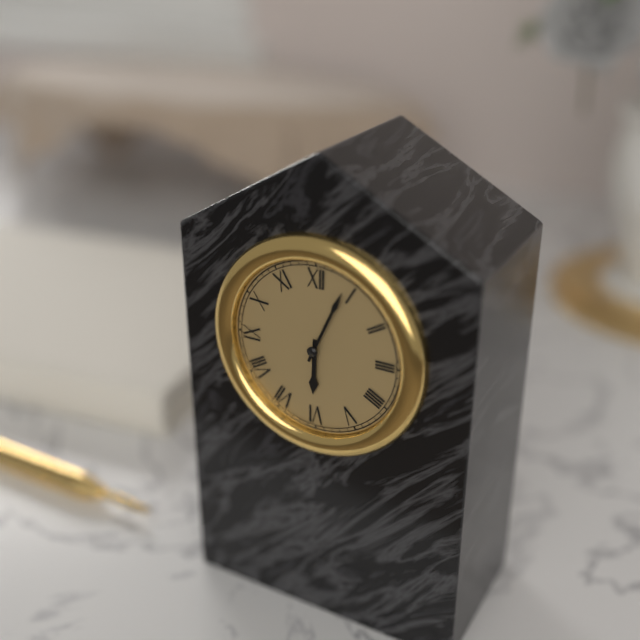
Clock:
{"hour": 6, "minute": 4}
